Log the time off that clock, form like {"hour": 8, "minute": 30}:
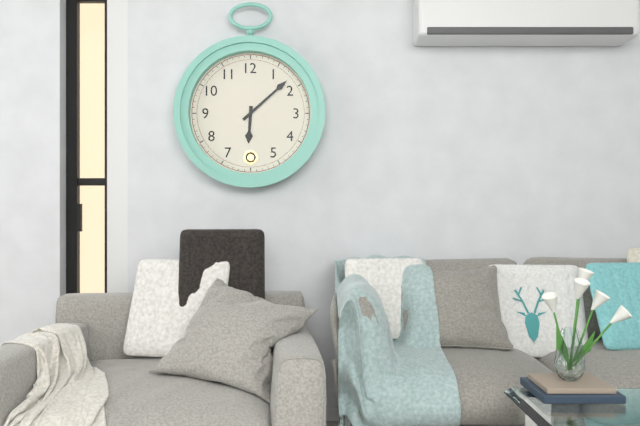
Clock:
{"hour": 6, "minute": 8}
